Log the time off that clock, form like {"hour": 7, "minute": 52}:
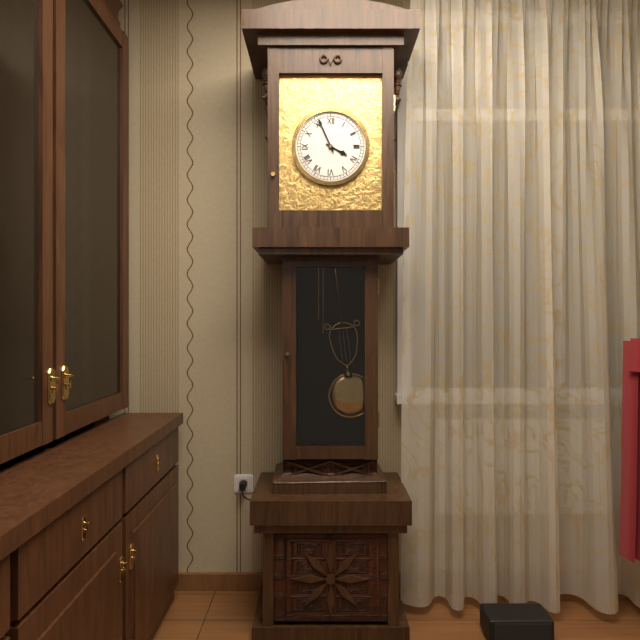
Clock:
{"hour": 3, "minute": 56}
